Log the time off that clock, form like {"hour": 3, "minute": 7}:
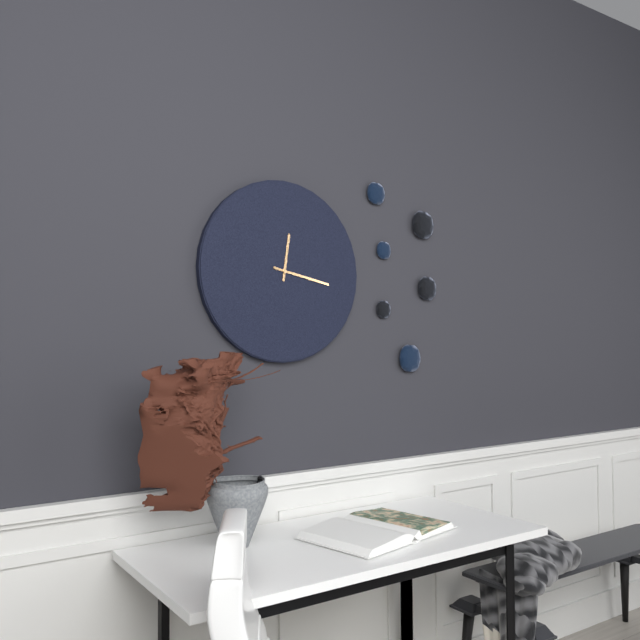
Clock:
{"hour": 12, "minute": 17}
